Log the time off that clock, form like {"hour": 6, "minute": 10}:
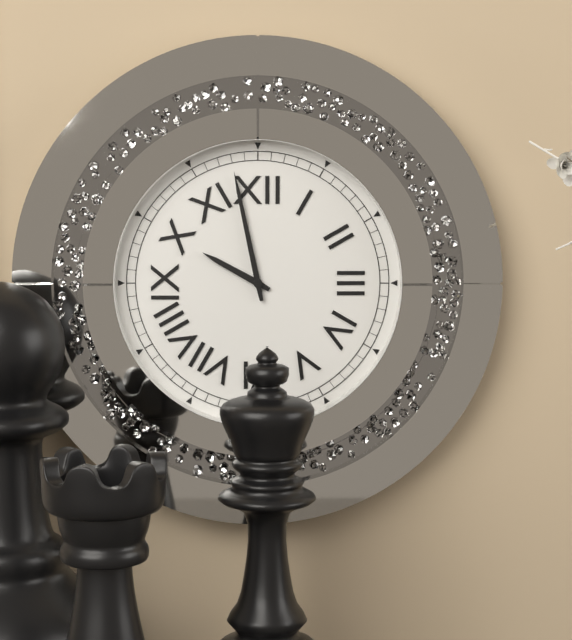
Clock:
{"hour": 9, "minute": 58}
